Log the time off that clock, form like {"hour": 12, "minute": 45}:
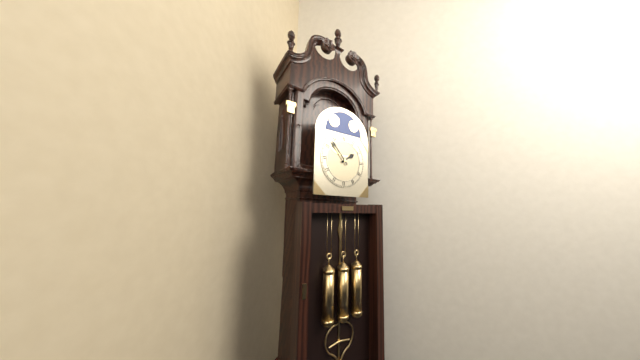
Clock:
{"hour": 1, "minute": 53}
